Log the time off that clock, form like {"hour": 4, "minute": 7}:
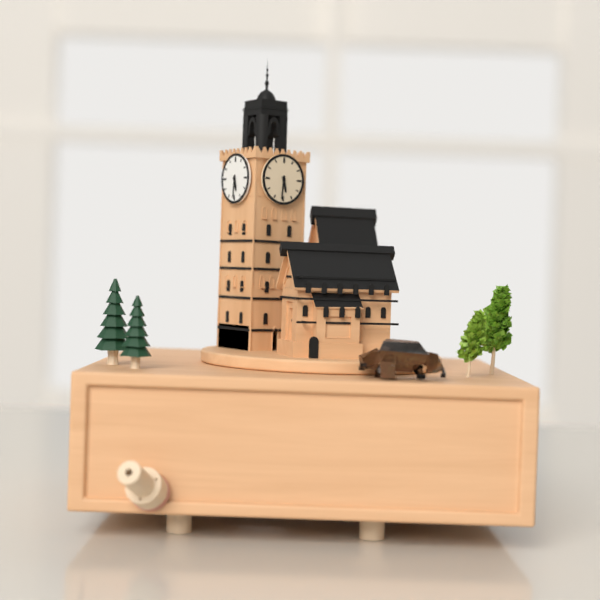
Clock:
{"hour": 5, "minute": 31}
